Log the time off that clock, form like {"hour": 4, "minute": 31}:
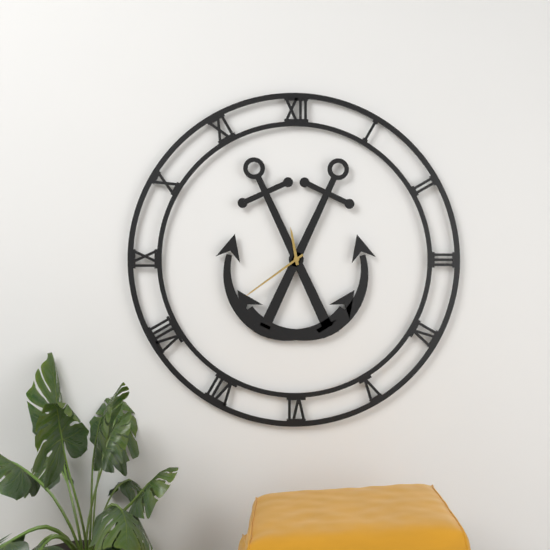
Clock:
{"hour": 11, "minute": 39}
